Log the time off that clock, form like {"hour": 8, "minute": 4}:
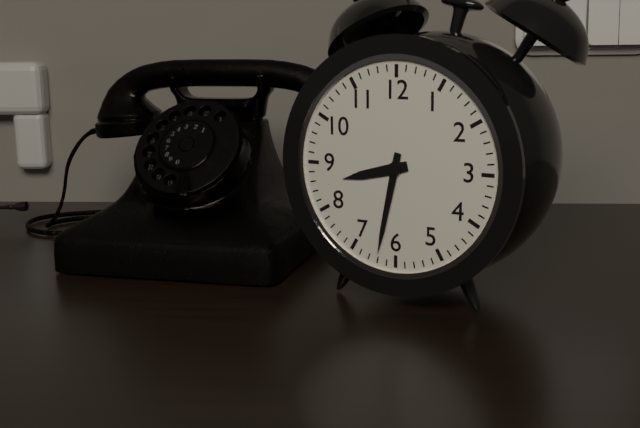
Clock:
{"hour": 8, "minute": 32}
